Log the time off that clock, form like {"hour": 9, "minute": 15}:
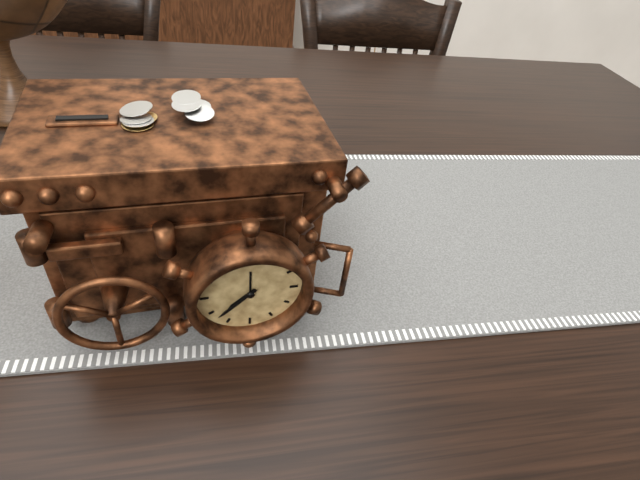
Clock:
{"hour": 7, "minute": 38}
